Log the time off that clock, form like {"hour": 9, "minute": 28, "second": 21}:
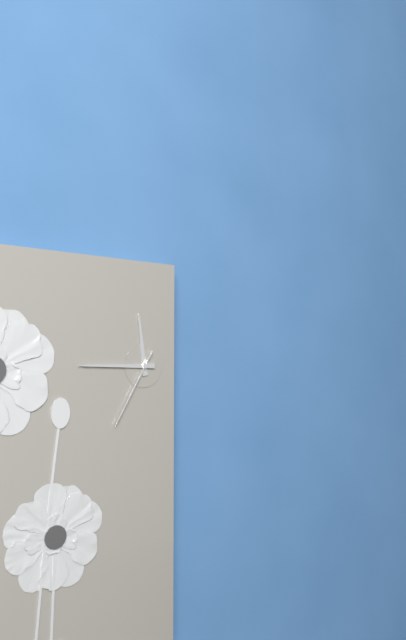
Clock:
{"hour": 11, "minute": 45, "second": 35}
